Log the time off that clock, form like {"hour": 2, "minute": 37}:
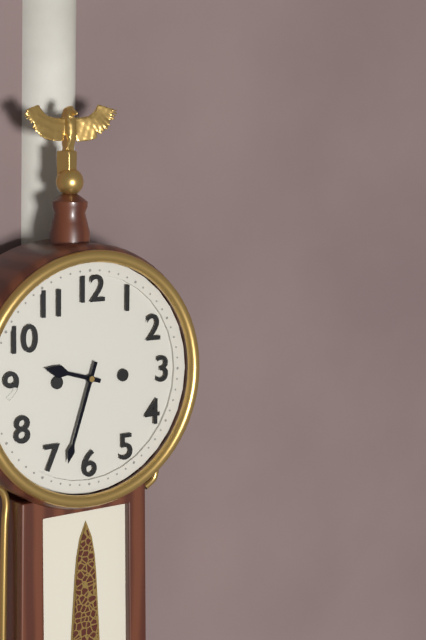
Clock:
{"hour": 9, "minute": 33}
